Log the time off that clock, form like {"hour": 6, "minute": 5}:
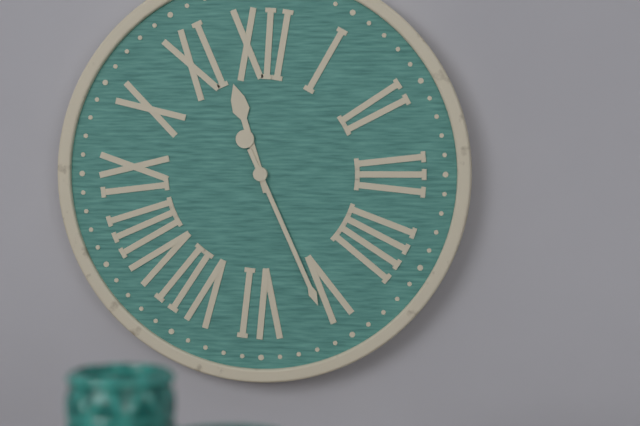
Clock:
{"hour": 11, "minute": 26}
